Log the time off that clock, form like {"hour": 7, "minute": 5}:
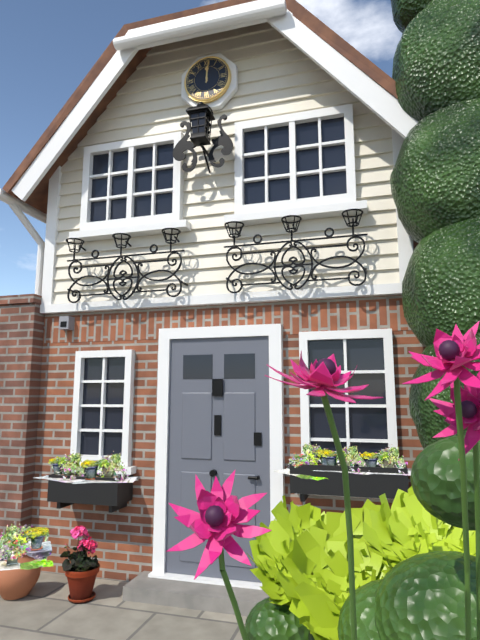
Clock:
{"hour": 12, "minute": 1}
